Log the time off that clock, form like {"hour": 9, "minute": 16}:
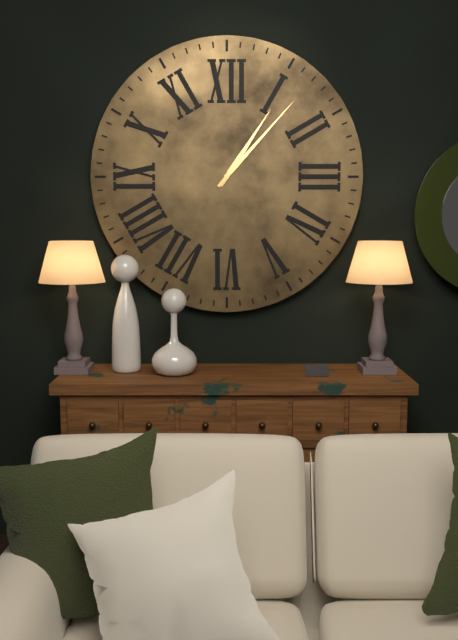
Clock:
{"hour": 1, "minute": 7}
